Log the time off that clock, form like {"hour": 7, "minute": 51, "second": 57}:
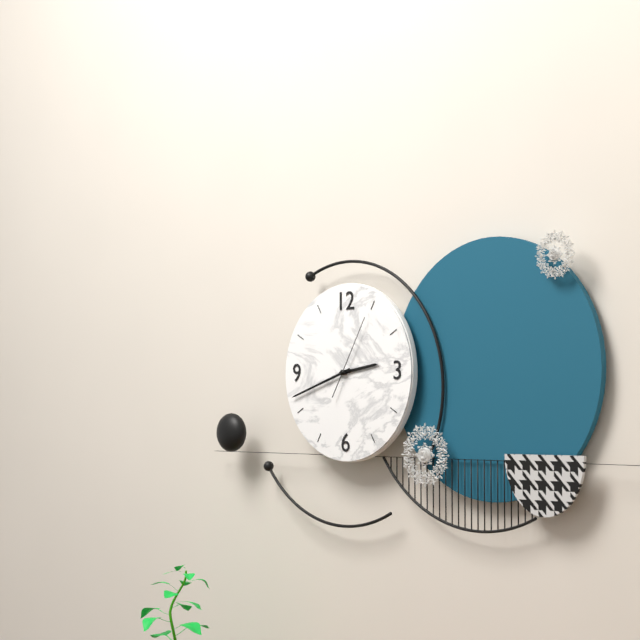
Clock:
{"hour": 2, "minute": 42, "second": 5}
